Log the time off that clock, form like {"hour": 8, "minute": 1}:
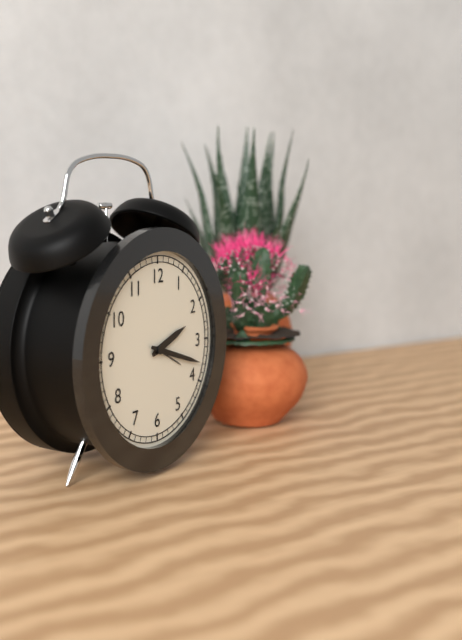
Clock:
{"hour": 2, "minute": 18}
